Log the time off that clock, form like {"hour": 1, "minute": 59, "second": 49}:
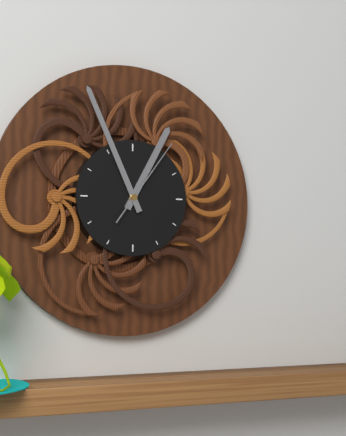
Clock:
{"hour": 12, "minute": 56, "second": 6}
